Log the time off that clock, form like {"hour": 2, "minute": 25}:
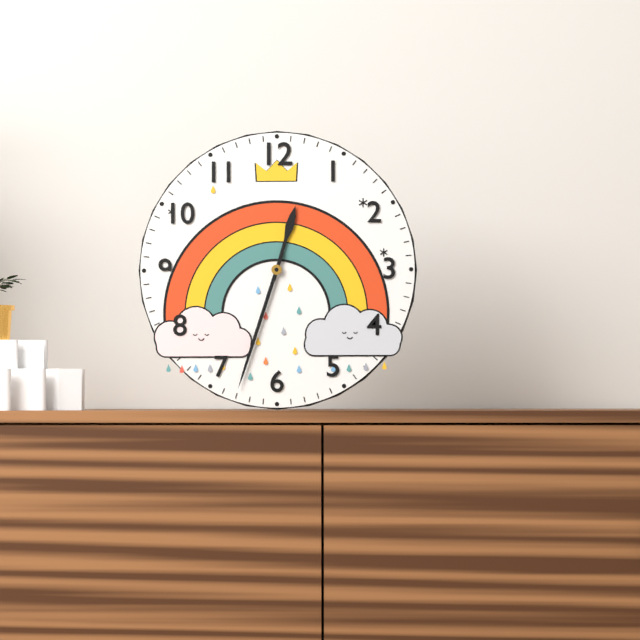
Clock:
{"hour": 12, "minute": 33}
